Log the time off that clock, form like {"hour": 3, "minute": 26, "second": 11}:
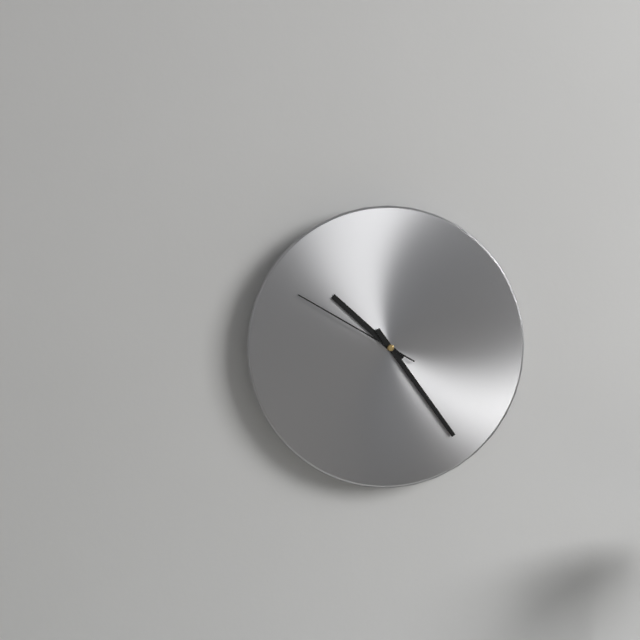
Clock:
{"hour": 10, "minute": 24, "second": 50}
